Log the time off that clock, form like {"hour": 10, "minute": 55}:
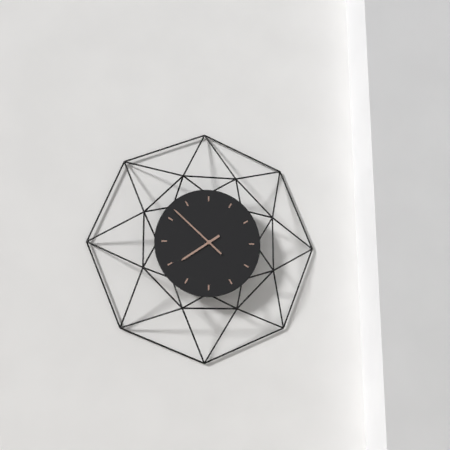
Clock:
{"hour": 7, "minute": 52}
